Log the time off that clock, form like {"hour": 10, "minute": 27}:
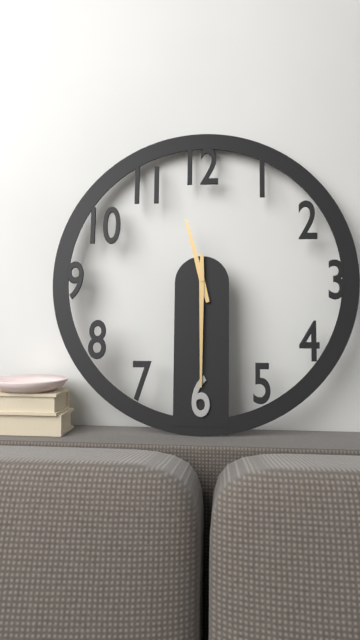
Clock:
{"hour": 11, "minute": 30}
